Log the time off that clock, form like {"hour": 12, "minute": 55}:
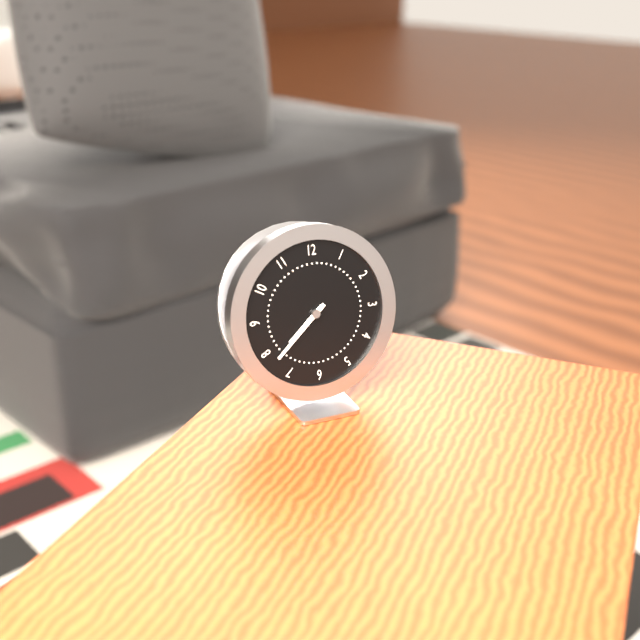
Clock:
{"hour": 7, "minute": 38}
